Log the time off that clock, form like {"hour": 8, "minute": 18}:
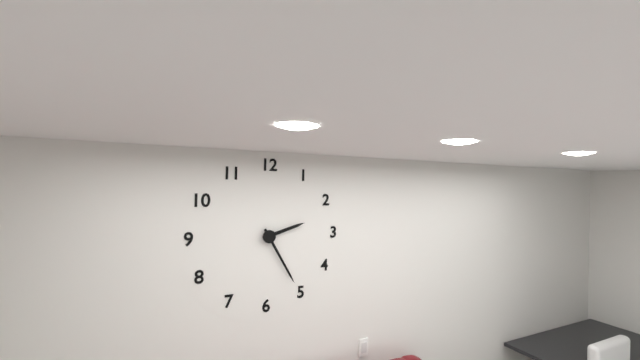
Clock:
{"hour": 2, "minute": 25}
